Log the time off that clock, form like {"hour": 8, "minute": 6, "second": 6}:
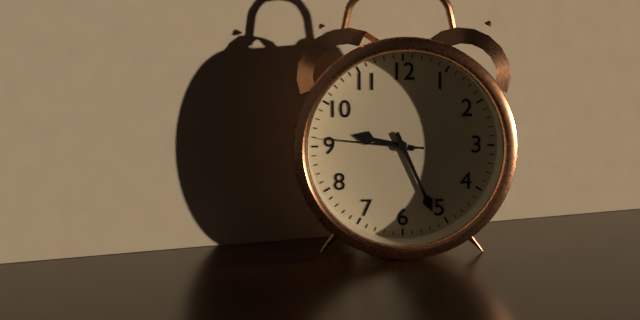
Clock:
{"hour": 9, "minute": 26, "second": 46}
